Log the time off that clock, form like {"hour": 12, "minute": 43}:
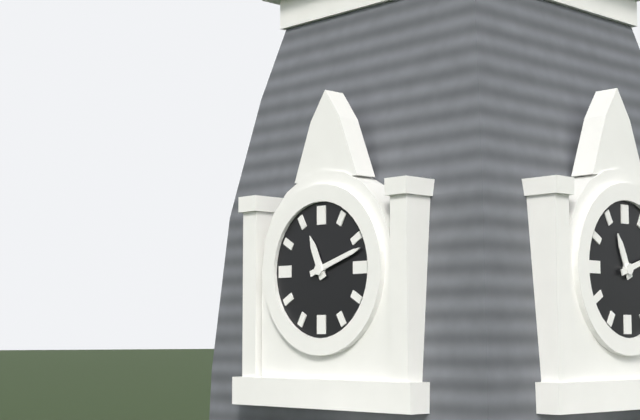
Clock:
{"hour": 11, "minute": 12}
